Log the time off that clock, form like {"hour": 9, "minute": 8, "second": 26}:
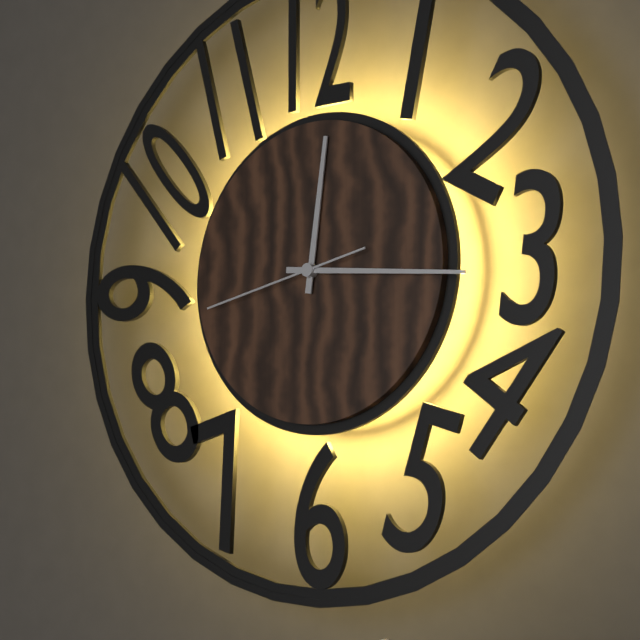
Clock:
{"hour": 12, "minute": 16, "second": 43}
